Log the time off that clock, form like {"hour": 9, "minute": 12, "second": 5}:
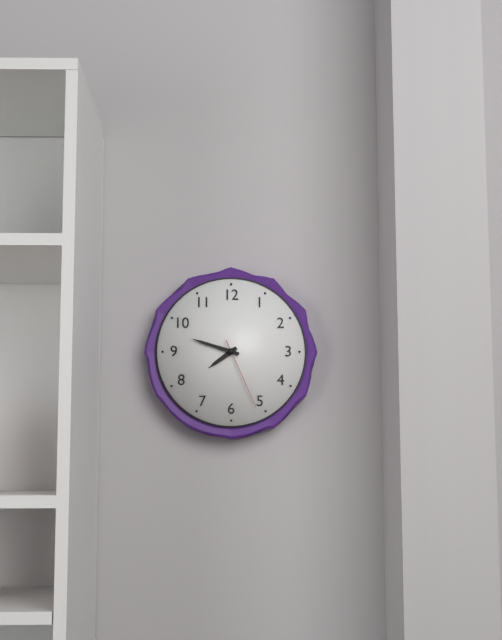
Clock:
{"hour": 7, "minute": 48, "second": 26}
